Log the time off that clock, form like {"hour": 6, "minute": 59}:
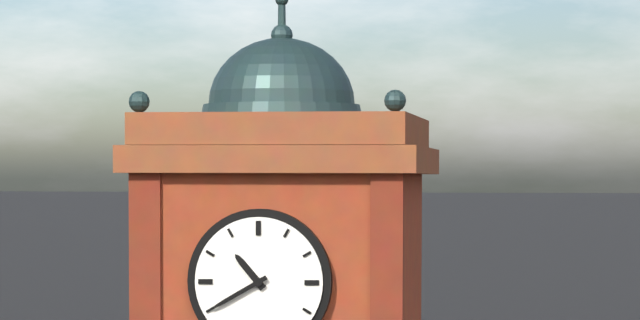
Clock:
{"hour": 10, "minute": 40}
